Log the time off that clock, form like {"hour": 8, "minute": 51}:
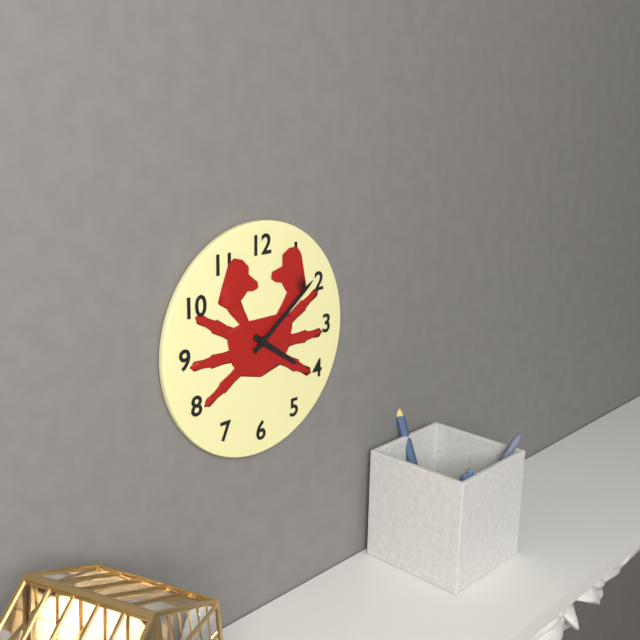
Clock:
{"hour": 4, "minute": 9}
